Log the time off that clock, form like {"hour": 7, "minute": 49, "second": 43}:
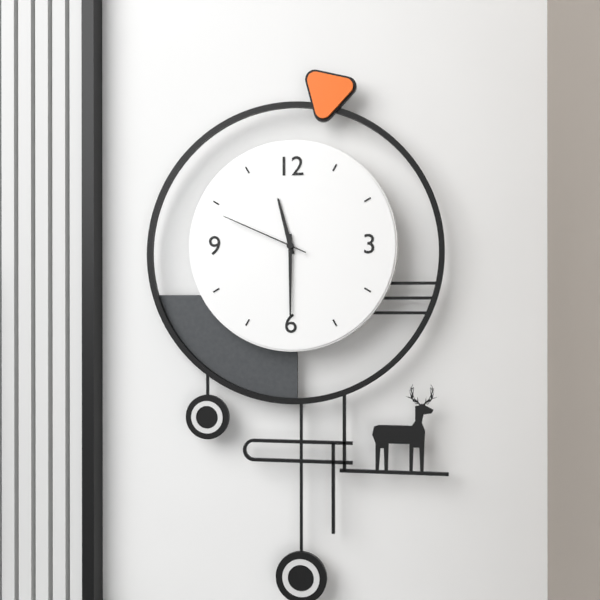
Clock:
{"hour": 11, "minute": 30, "second": 49}
